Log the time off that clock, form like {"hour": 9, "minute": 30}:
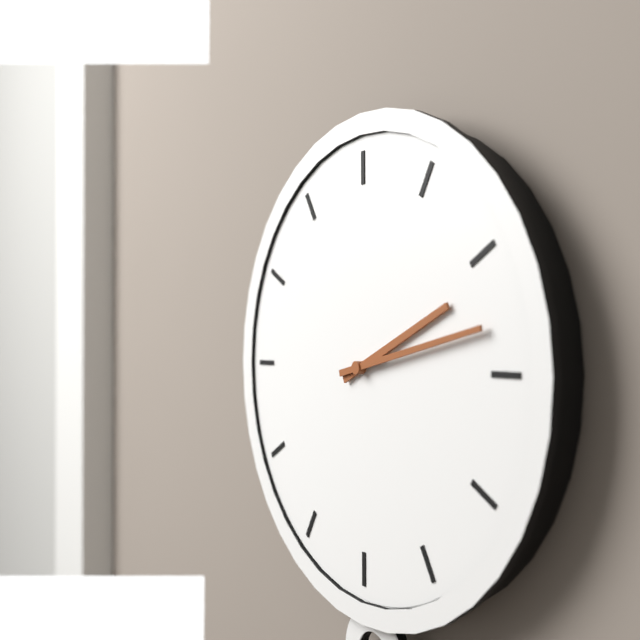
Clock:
{"hour": 2, "minute": 13}
